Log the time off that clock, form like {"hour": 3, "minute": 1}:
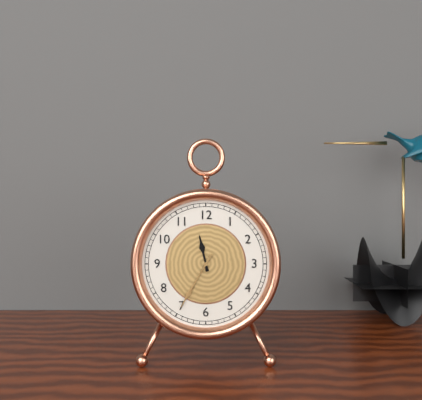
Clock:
{"hour": 11, "minute": 35}
